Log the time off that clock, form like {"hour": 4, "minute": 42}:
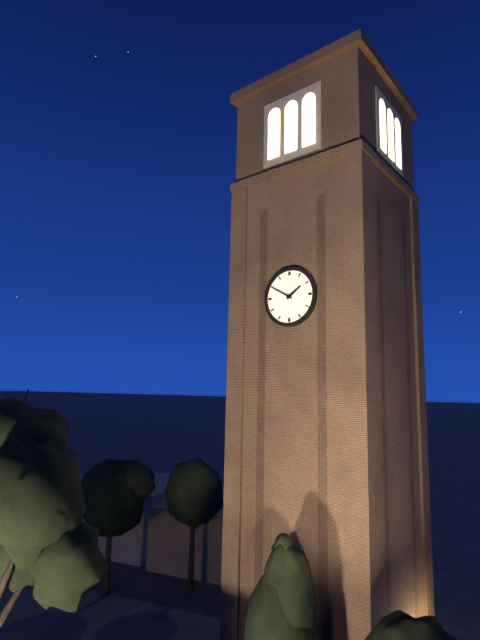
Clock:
{"hour": 1, "minute": 50}
